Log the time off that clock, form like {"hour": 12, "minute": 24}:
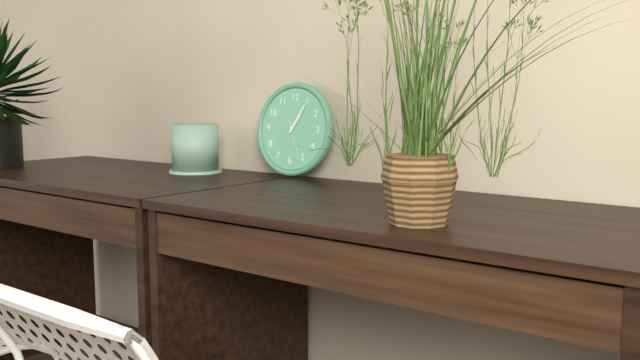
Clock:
{"hour": 1, "minute": 5}
